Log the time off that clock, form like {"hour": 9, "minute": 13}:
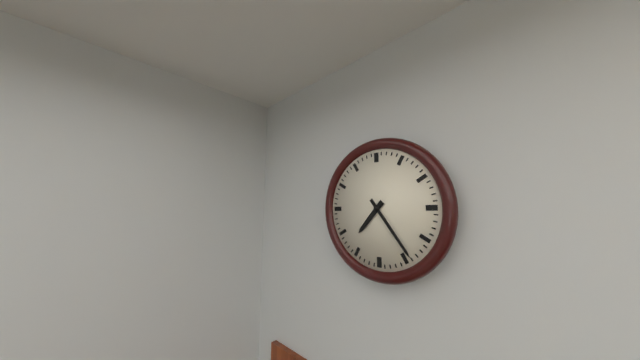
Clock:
{"hour": 7, "minute": 24}
